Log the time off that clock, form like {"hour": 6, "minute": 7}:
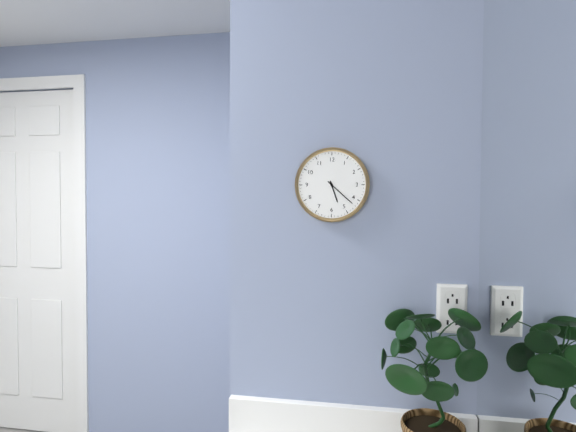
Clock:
{"hour": 5, "minute": 22}
